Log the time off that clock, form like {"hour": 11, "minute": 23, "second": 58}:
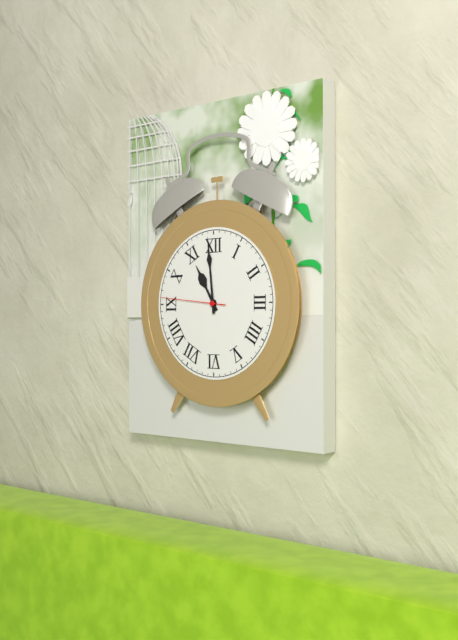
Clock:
{"hour": 10, "minute": 59, "second": 46}
